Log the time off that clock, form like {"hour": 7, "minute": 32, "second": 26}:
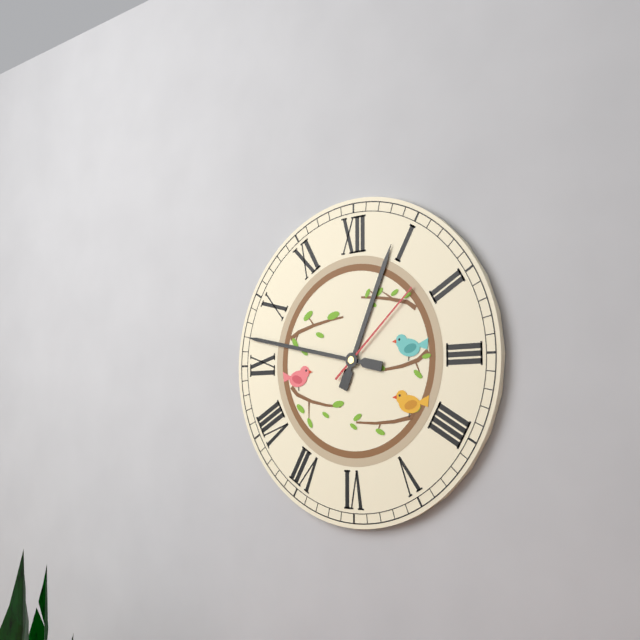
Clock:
{"hour": 12, "minute": 47, "second": 8}
